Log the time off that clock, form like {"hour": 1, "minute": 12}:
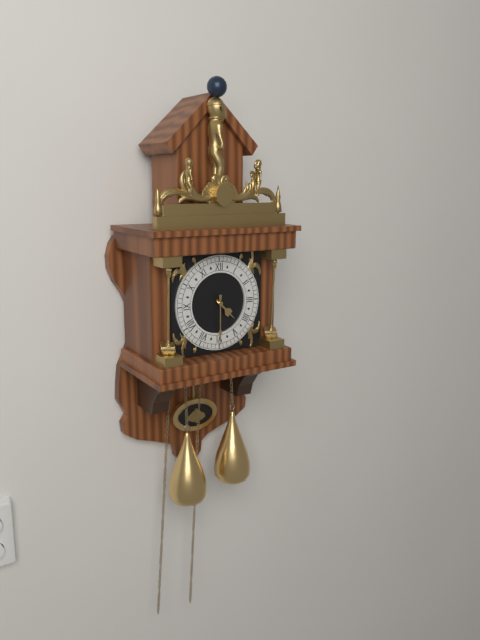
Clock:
{"hour": 4, "minute": 30}
